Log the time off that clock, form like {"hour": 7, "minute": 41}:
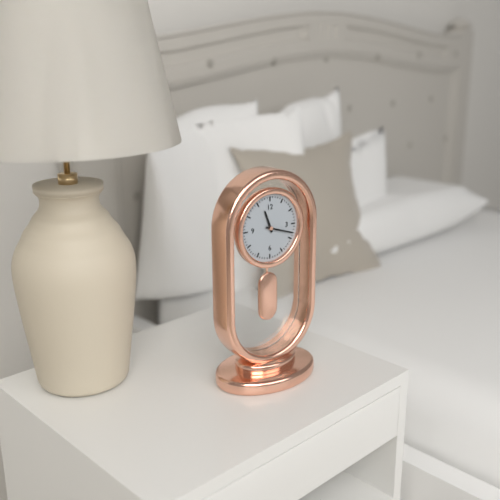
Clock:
{"hour": 11, "minute": 18}
